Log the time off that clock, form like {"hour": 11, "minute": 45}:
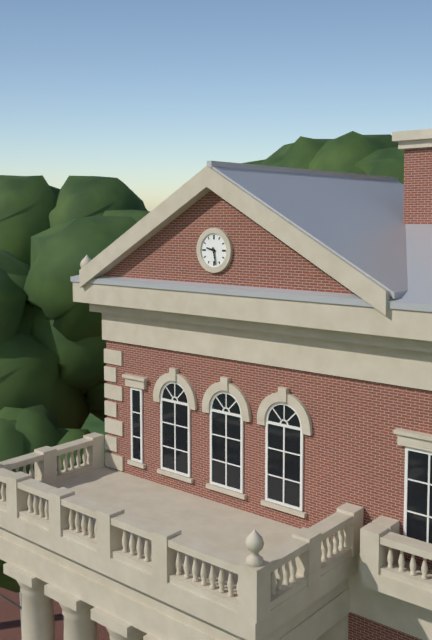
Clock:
{"hour": 9, "minute": 28}
